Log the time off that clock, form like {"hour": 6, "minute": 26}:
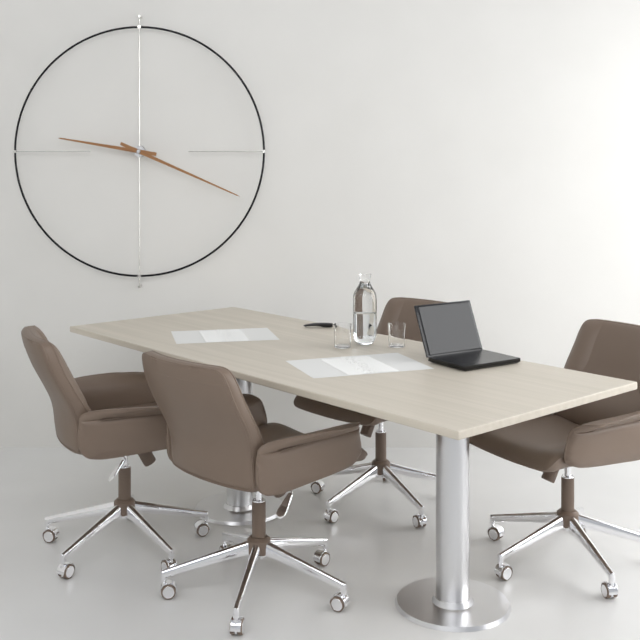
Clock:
{"hour": 9, "minute": 19}
